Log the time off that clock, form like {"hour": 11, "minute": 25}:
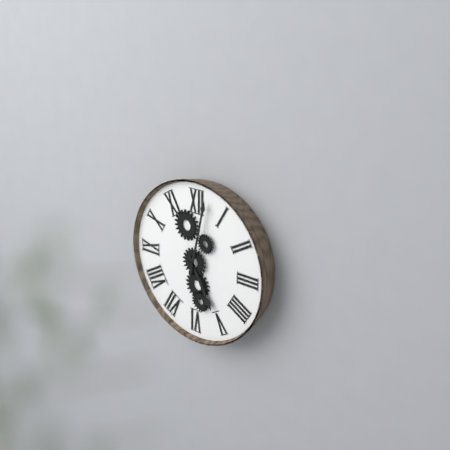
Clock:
{"hour": 5, "minute": 2}
